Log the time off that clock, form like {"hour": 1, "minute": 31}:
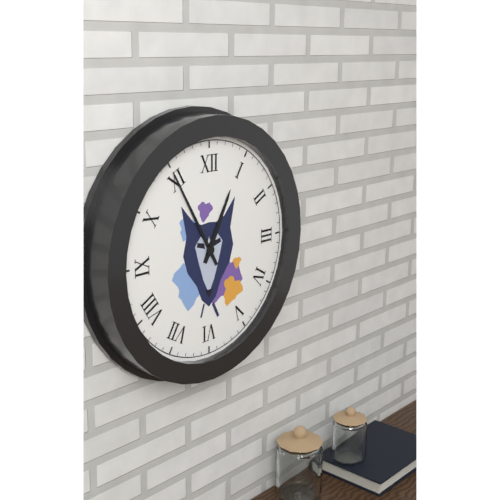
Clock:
{"hour": 12, "minute": 55}
